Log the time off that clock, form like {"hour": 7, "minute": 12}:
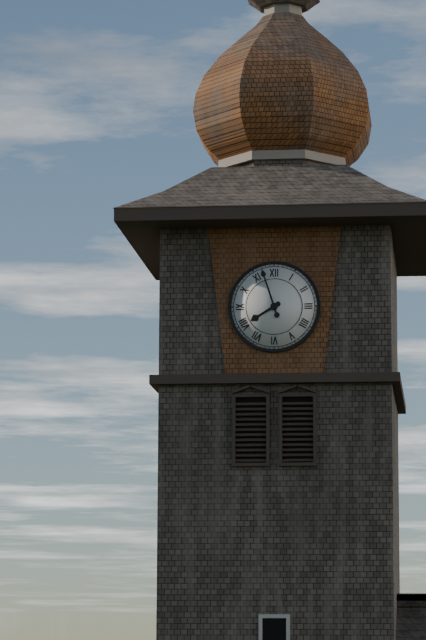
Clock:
{"hour": 7, "minute": 57}
